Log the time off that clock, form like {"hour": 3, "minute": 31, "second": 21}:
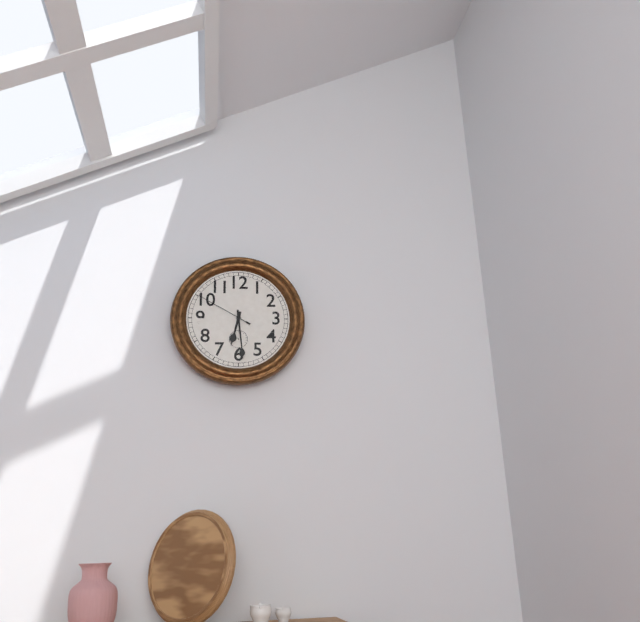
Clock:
{"hour": 6, "minute": 29, "second": 50}
